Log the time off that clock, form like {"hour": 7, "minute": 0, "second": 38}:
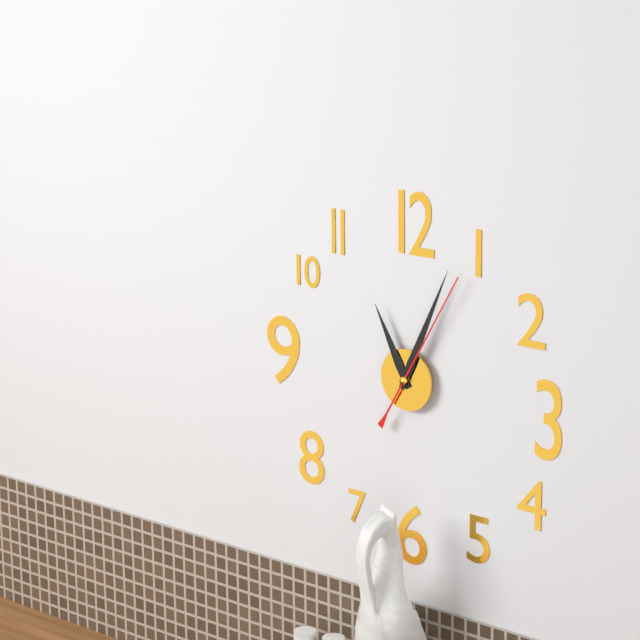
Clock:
{"hour": 11, "minute": 4, "second": 5}
